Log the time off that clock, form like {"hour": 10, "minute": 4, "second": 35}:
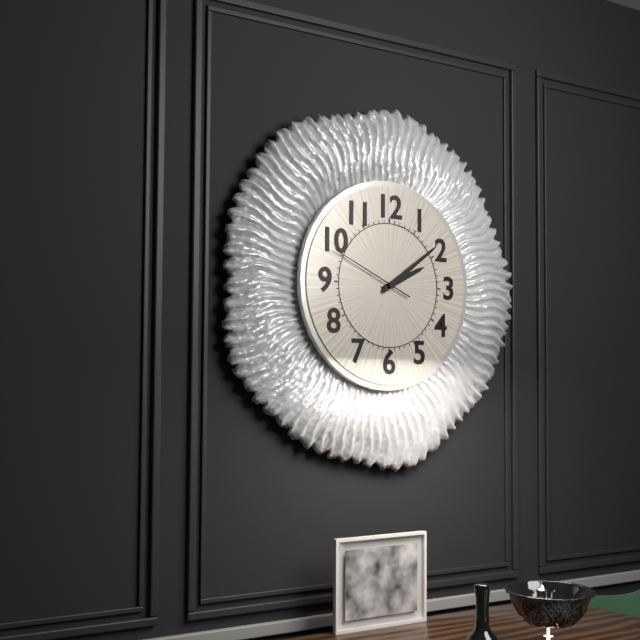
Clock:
{"hour": 2, "minute": 9, "second": 49}
